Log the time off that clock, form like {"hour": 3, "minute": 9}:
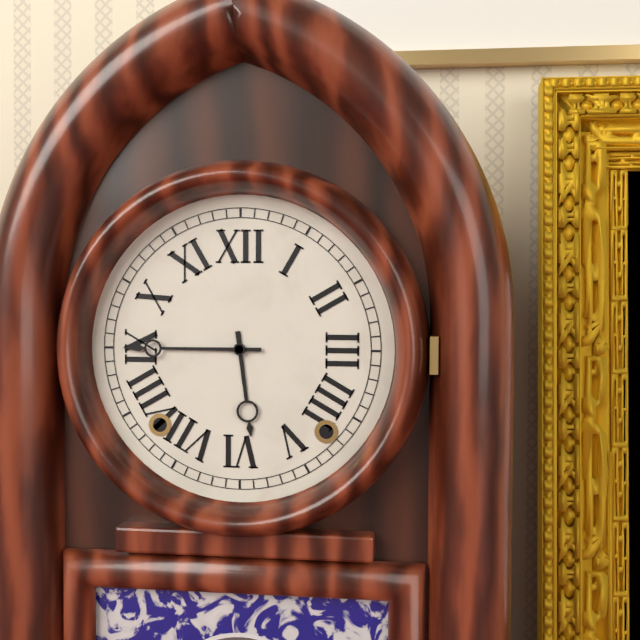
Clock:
{"hour": 5, "minute": 45}
